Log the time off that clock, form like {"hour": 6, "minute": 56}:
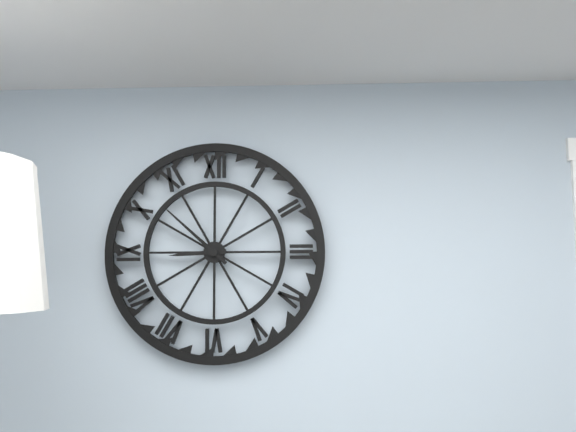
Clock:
{"hour": 8, "minute": 52}
